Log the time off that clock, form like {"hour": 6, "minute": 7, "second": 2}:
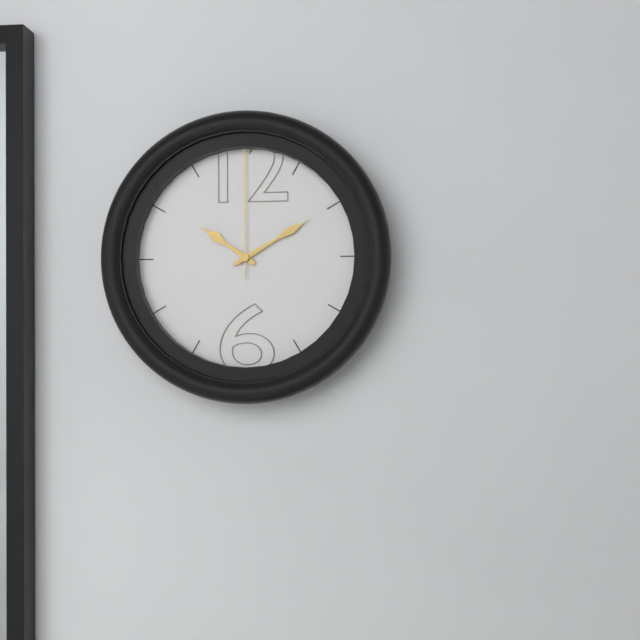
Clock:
{"hour": 10, "minute": 10, "second": 0}
